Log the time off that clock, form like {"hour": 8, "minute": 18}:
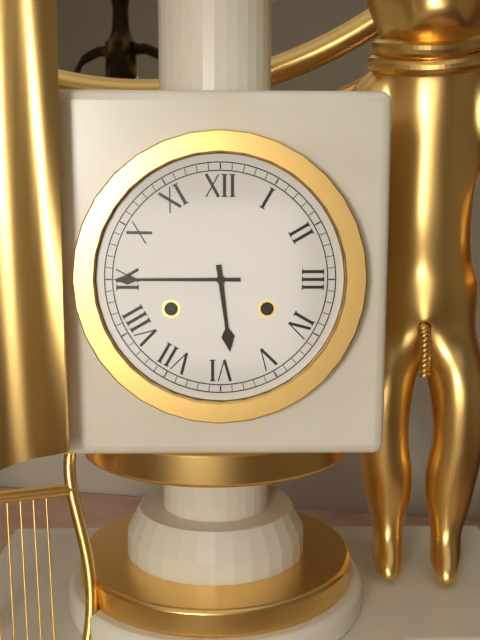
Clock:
{"hour": 5, "minute": 45}
